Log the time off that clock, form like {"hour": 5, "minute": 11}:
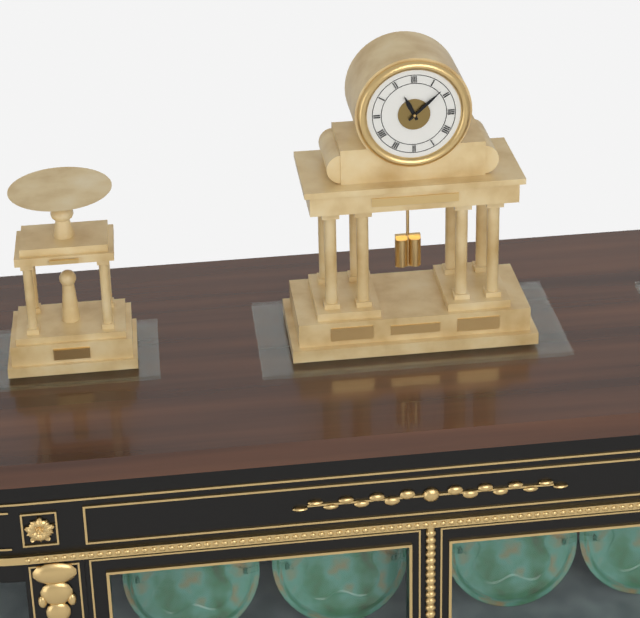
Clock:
{"hour": 11, "minute": 8}
